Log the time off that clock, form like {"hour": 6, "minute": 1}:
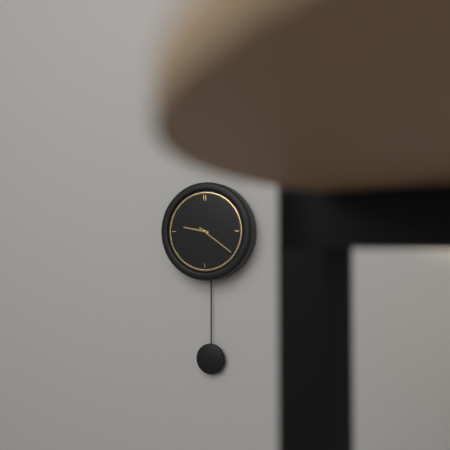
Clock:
{"hour": 9, "minute": 21}
